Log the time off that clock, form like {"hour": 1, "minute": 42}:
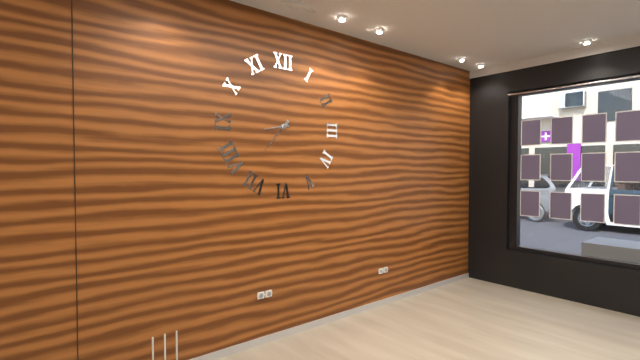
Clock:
{"hour": 8, "minute": 37}
